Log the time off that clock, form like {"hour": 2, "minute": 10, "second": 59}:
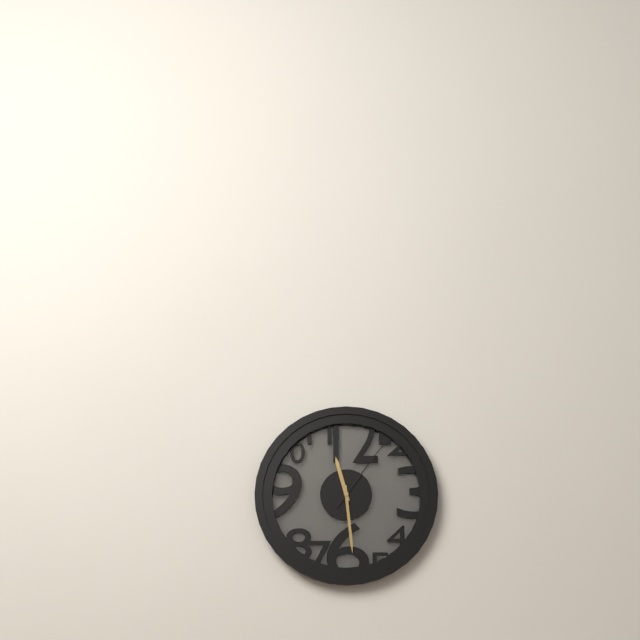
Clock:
{"hour": 11, "minute": 29, "second": 6}
